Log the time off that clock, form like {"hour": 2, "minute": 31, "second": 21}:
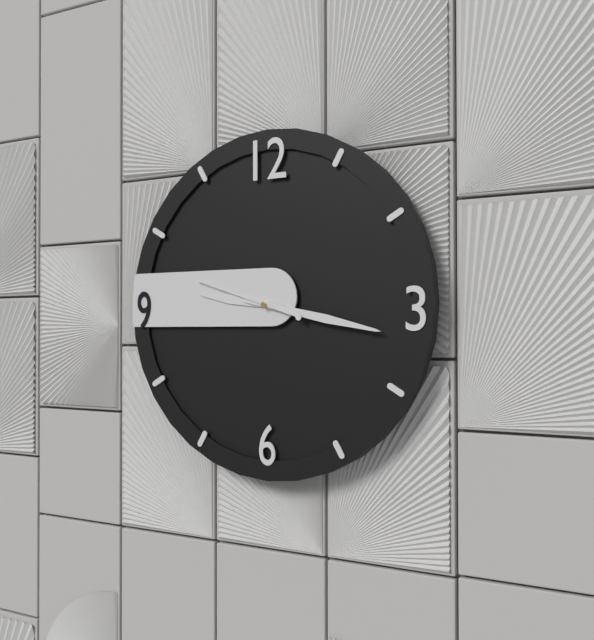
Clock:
{"hour": 9, "minute": 17, "second": 48}
